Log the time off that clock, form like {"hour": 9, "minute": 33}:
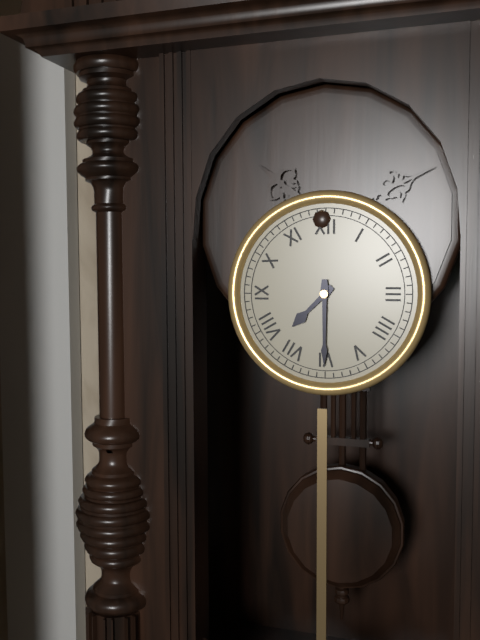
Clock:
{"hour": 7, "minute": 30}
